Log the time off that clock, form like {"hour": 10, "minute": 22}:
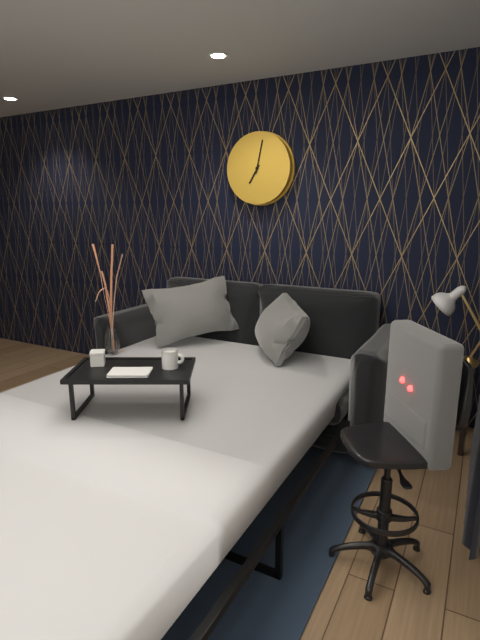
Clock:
{"hour": 7, "minute": 2}
